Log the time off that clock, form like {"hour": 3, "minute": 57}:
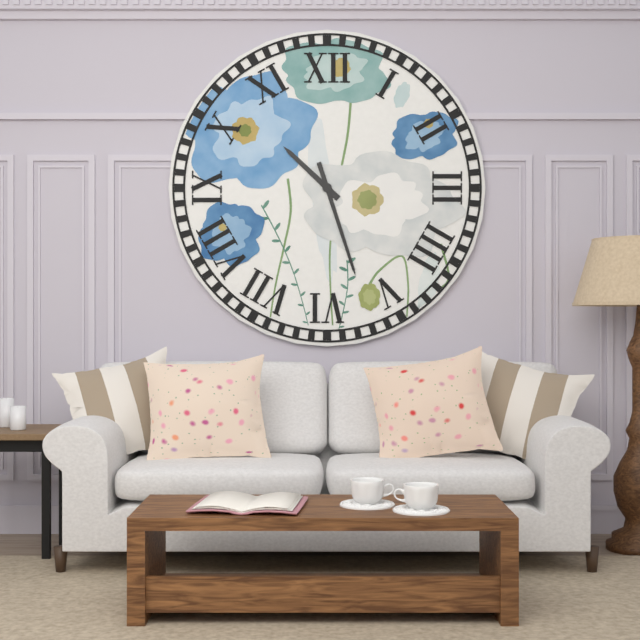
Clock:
{"hour": 10, "minute": 27}
